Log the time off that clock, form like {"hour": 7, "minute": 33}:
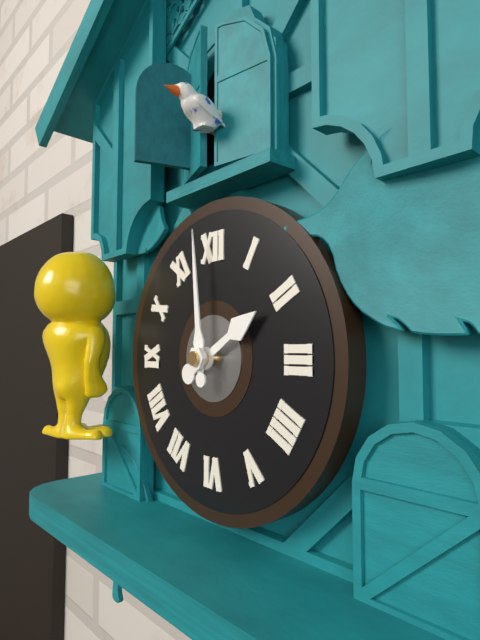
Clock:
{"hour": 1, "minute": 59}
